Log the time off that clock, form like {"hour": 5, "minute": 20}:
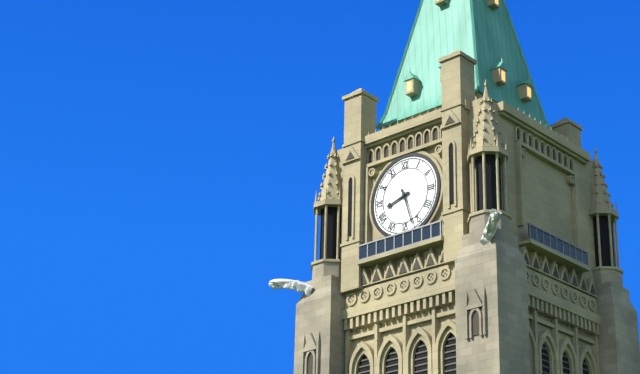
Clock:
{"hour": 8, "minute": 27}
